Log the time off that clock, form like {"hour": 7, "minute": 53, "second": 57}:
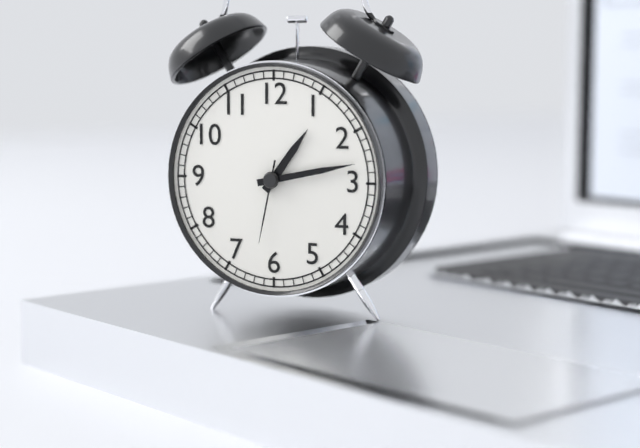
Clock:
{"hour": 1, "minute": 13, "second": 32}
